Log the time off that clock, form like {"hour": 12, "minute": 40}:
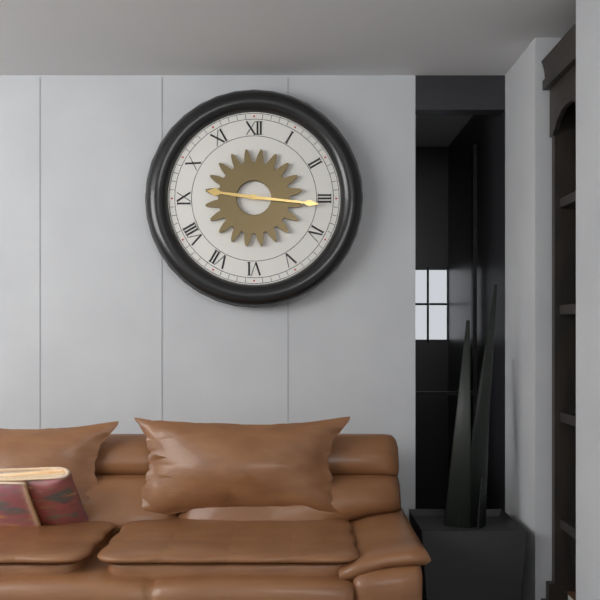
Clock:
{"hour": 9, "minute": 16}
